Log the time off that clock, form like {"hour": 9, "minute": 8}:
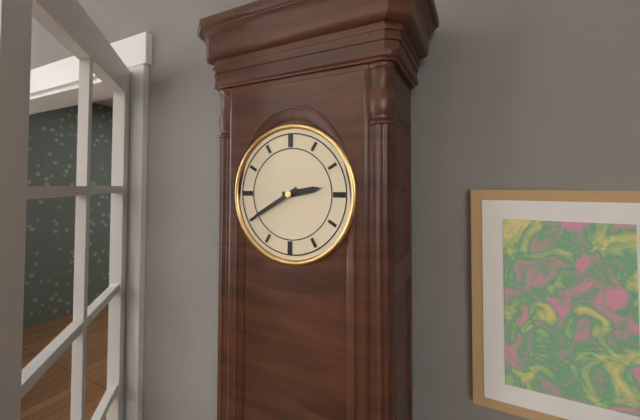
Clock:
{"hour": 2, "minute": 40}
